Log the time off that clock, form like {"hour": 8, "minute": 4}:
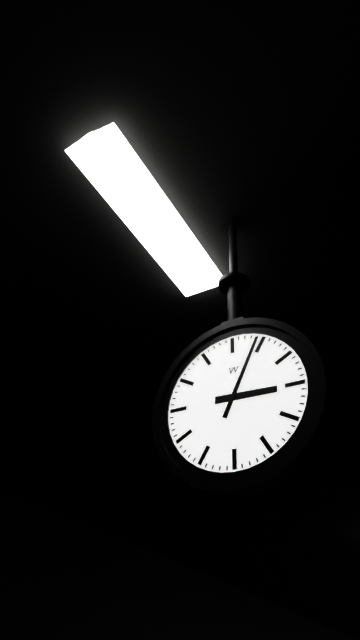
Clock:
{"hour": 3, "minute": 4}
